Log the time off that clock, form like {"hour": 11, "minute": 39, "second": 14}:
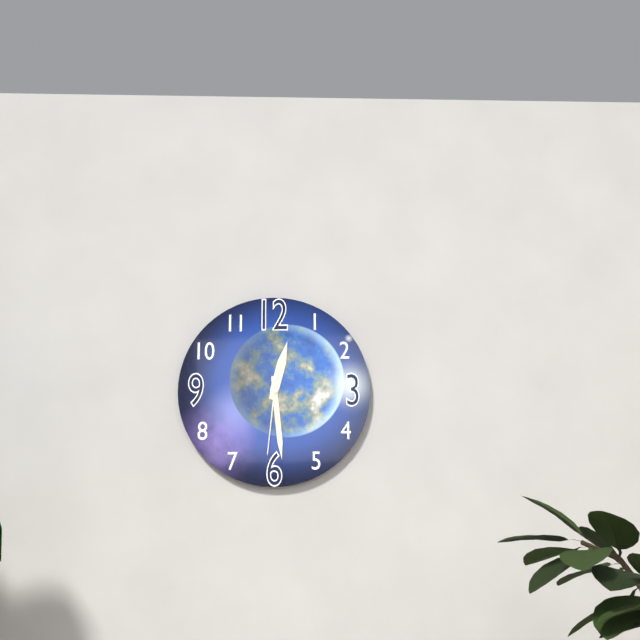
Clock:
{"hour": 12, "minute": 29, "second": 31}
